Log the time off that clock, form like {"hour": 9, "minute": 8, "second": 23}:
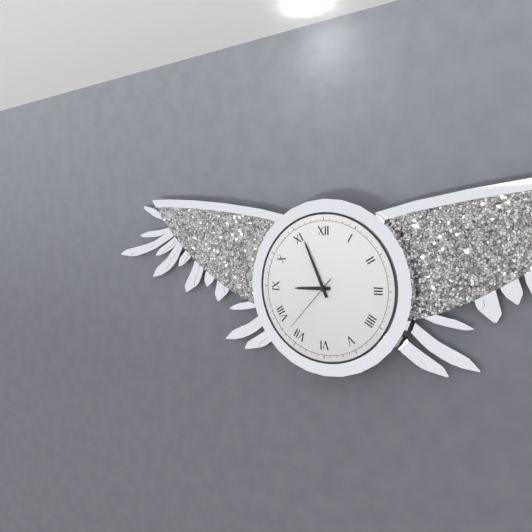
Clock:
{"hour": 8, "minute": 56, "second": 37}
